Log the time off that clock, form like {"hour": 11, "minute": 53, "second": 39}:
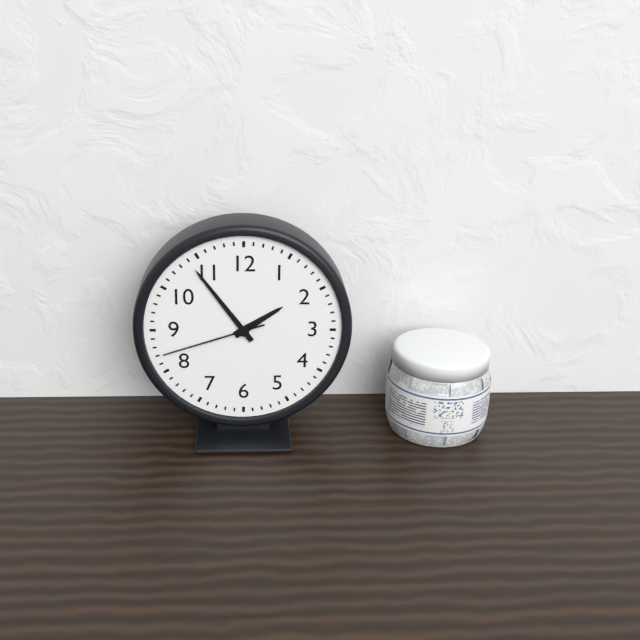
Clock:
{"hour": 1, "minute": 54, "second": 42}
